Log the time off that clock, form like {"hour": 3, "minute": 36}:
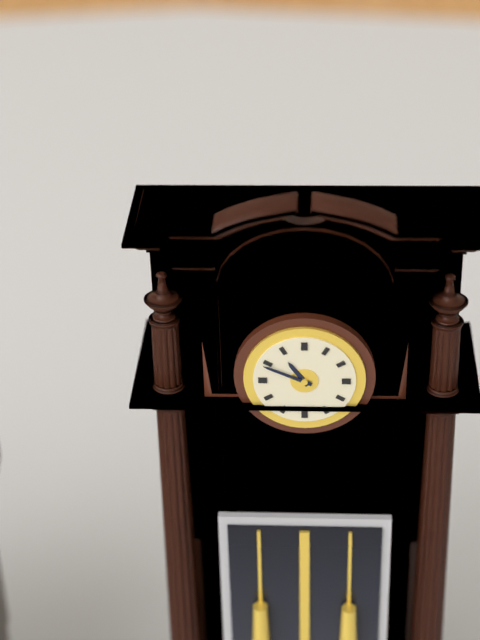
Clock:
{"hour": 10, "minute": 49}
